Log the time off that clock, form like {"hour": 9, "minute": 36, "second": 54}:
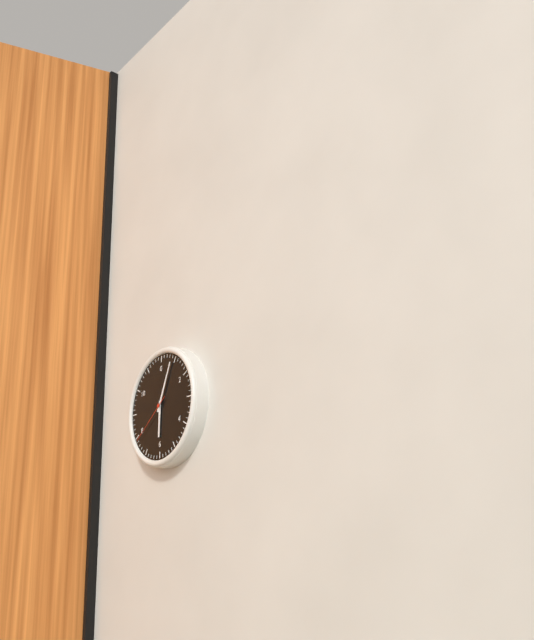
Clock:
{"hour": 6, "minute": 4, "second": 39}
